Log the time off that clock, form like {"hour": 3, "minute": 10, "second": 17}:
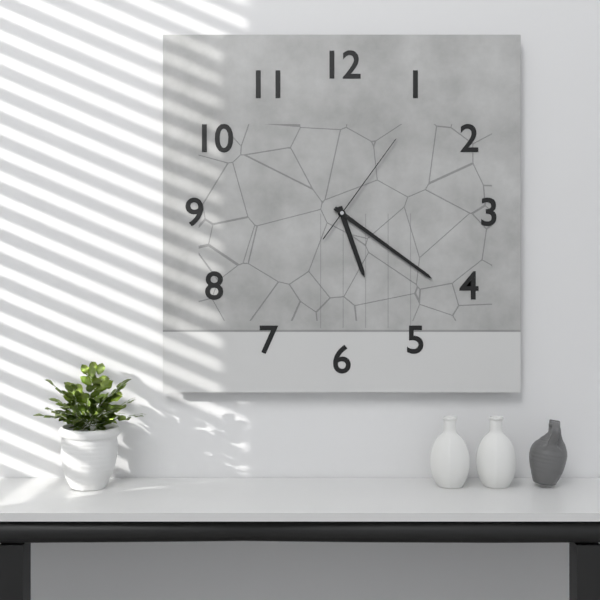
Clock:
{"hour": 5, "minute": 21, "second": 6}
